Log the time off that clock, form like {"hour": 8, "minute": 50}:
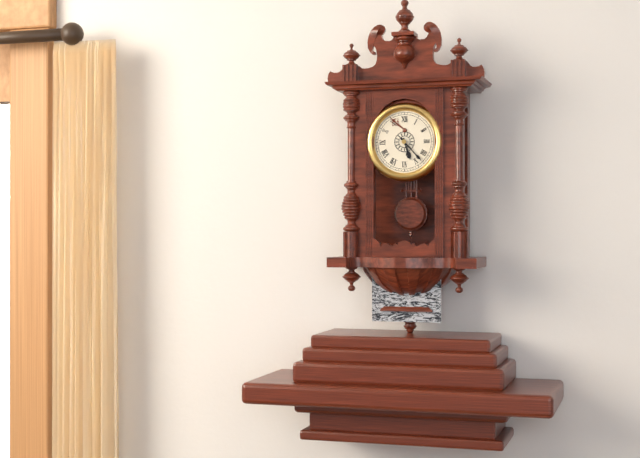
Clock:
{"hour": 5, "minute": 23}
